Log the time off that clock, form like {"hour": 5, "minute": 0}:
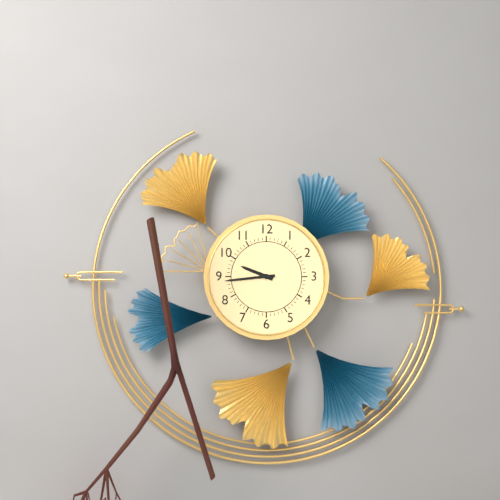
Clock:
{"hour": 9, "minute": 44}
